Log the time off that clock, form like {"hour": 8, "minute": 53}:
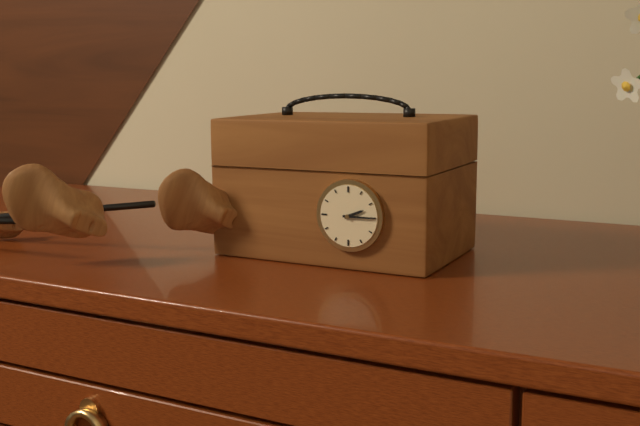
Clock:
{"hour": 2, "minute": 15}
